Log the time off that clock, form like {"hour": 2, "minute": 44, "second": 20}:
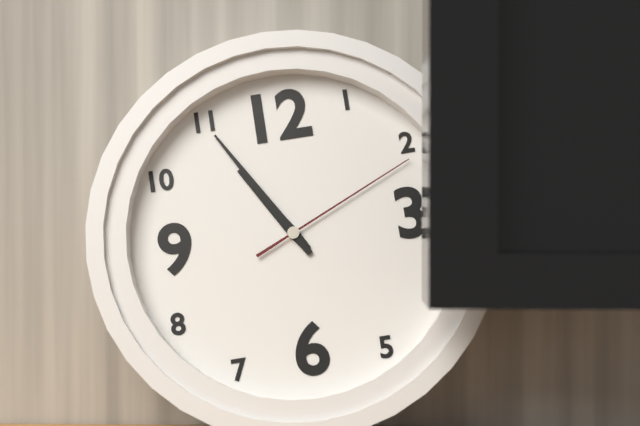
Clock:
{"hour": 10, "minute": 55, "second": 11}
